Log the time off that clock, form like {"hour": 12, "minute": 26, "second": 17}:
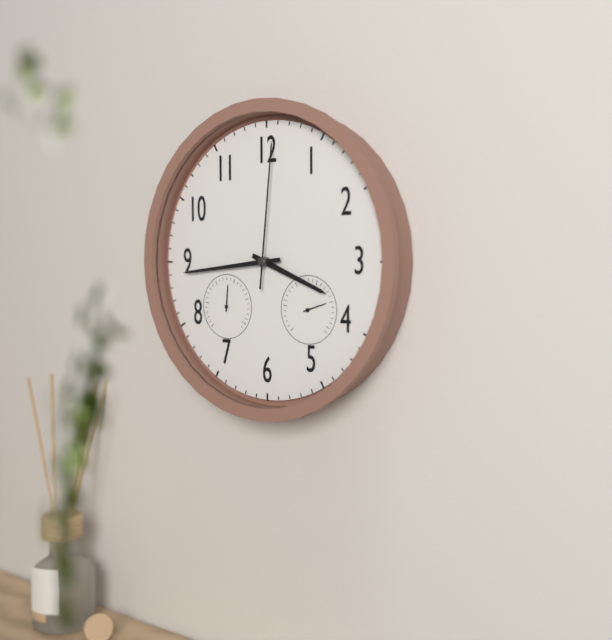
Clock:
{"hour": 3, "minute": 44, "second": 1}
